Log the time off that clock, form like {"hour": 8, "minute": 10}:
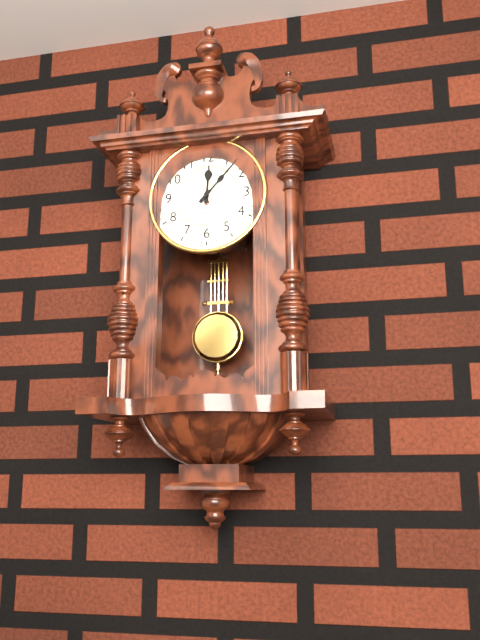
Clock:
{"hour": 12, "minute": 7}
